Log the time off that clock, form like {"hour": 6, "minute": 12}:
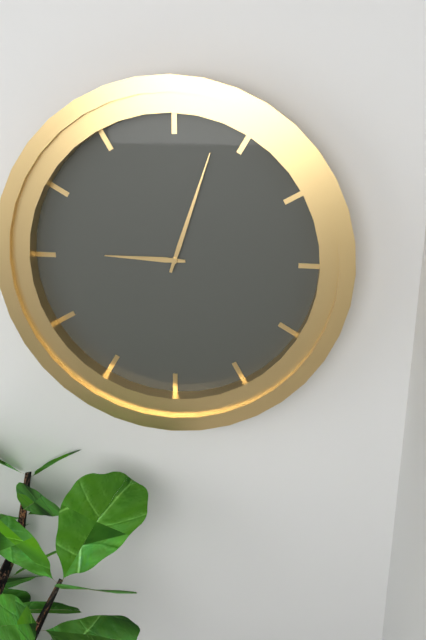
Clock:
{"hour": 9, "minute": 3}
